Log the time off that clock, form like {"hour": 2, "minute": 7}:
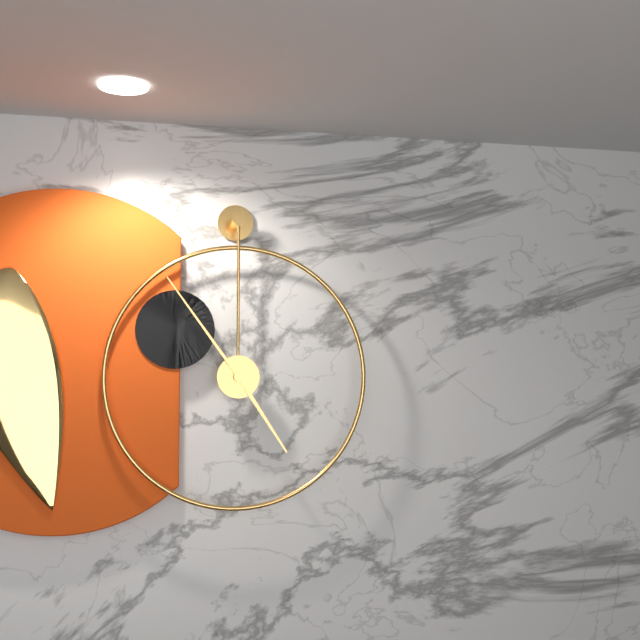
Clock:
{"hour": 4, "minute": 54}
